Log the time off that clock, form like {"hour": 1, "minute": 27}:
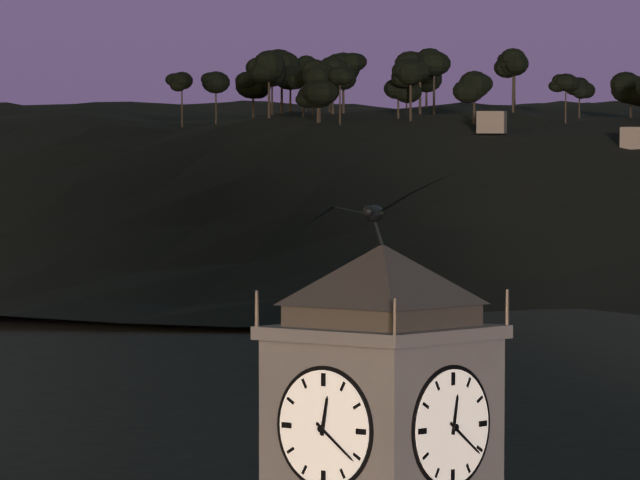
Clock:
{"hour": 12, "minute": 21}
